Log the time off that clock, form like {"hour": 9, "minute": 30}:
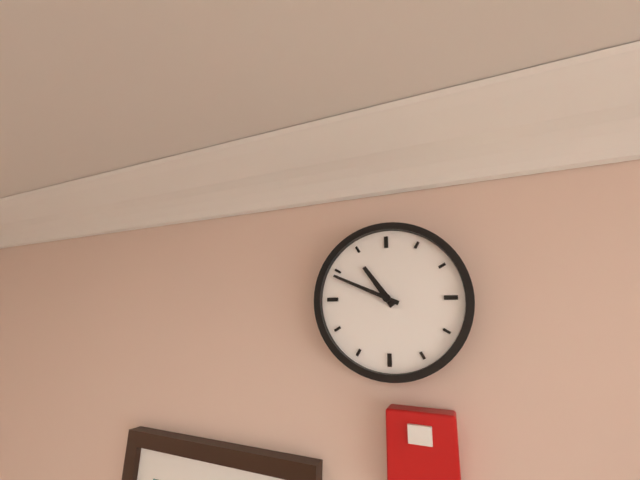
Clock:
{"hour": 10, "minute": 49}
